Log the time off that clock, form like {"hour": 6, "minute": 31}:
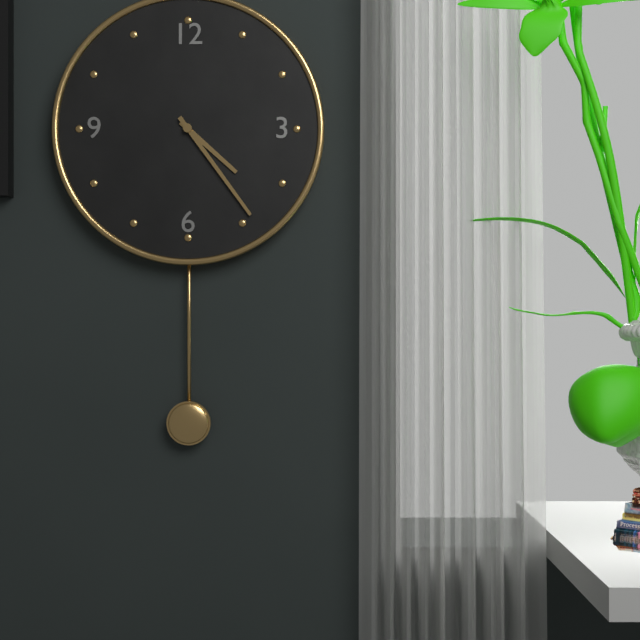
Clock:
{"hour": 4, "minute": 24}
